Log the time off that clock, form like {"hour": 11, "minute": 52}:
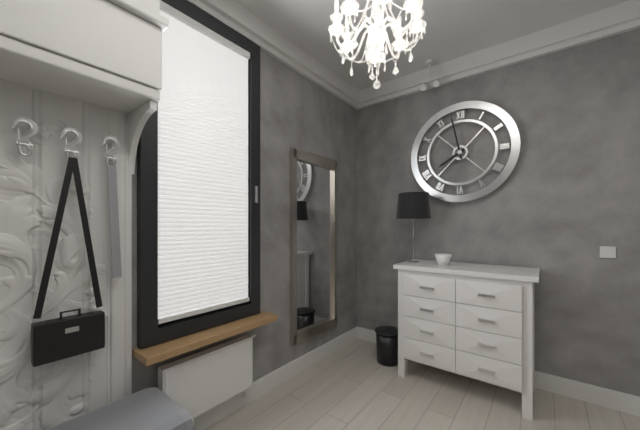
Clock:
{"hour": 7, "minute": 58}
